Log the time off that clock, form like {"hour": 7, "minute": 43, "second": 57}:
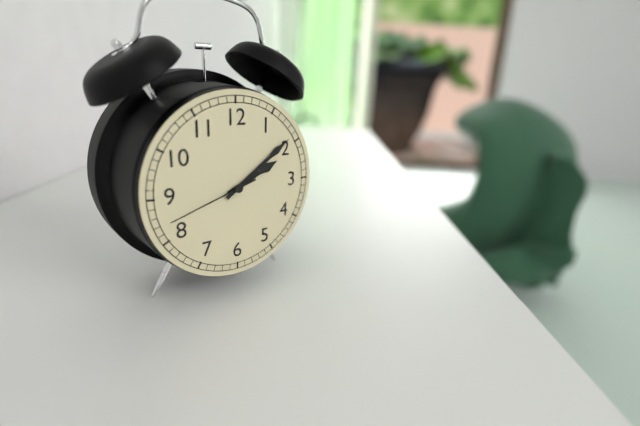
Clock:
{"hour": 2, "minute": 9, "second": 42}
